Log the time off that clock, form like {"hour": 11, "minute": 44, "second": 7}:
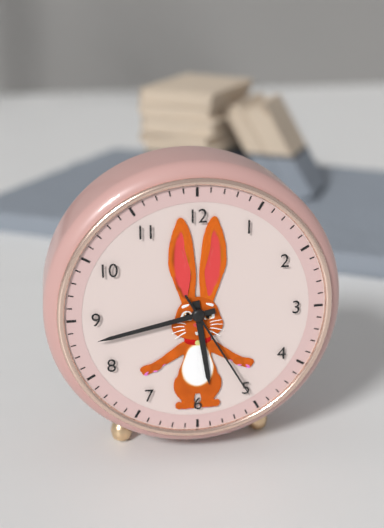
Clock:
{"hour": 5, "minute": 43, "second": 25}
